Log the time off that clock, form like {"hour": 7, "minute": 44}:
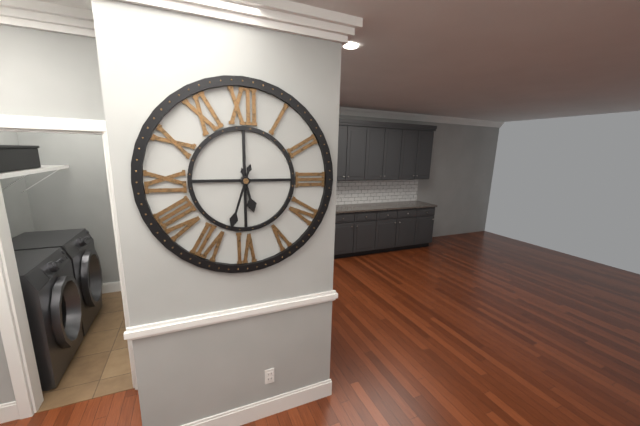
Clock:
{"hour": 5, "minute": 33}
